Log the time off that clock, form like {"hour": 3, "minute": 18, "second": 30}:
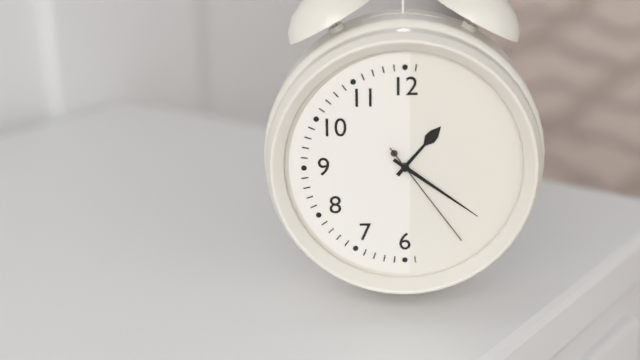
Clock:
{"hour": 1, "minute": 21, "second": 24}
